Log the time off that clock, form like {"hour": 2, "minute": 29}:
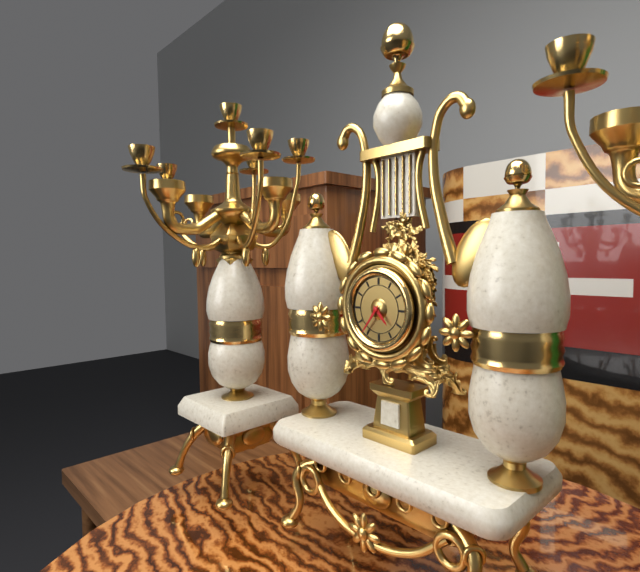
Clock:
{"hour": 4, "minute": 36}
